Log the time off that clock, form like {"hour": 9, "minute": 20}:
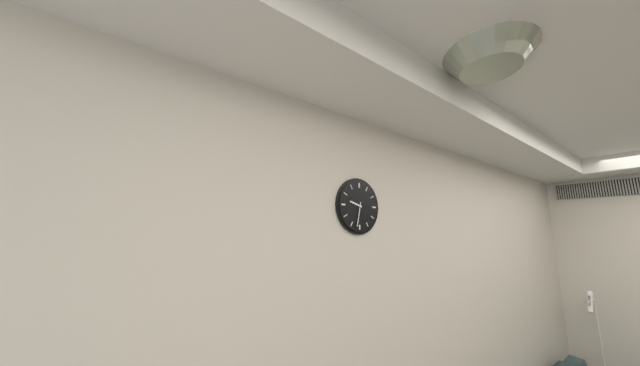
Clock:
{"hour": 9, "minute": 32}
